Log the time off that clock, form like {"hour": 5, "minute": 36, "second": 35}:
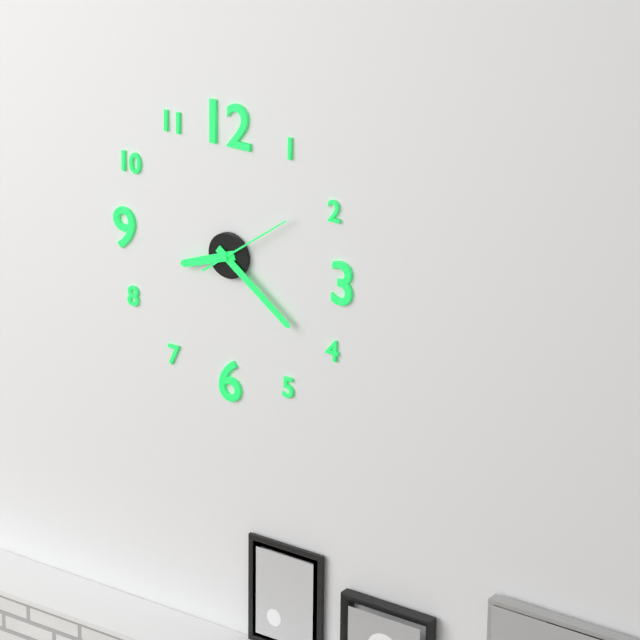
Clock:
{"hour": 8, "minute": 21, "second": 9}
